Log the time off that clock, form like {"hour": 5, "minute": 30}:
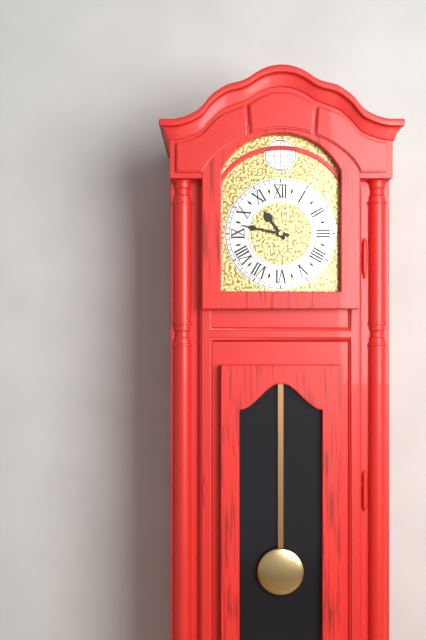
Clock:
{"hour": 10, "minute": 47}
